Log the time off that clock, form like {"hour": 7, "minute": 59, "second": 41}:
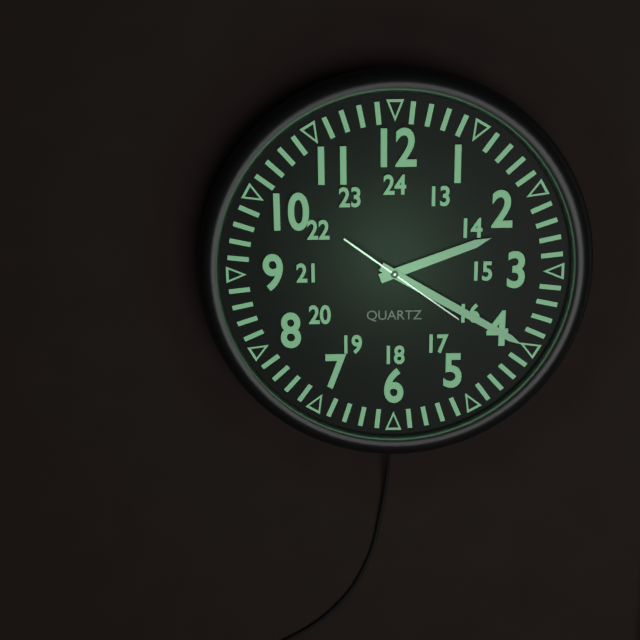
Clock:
{"hour": 2, "minute": 20, "second": 21}
